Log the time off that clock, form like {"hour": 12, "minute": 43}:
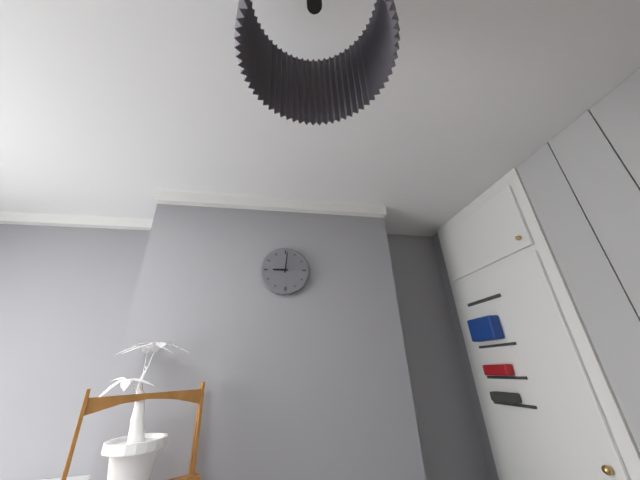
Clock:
{"hour": 9, "minute": 1}
